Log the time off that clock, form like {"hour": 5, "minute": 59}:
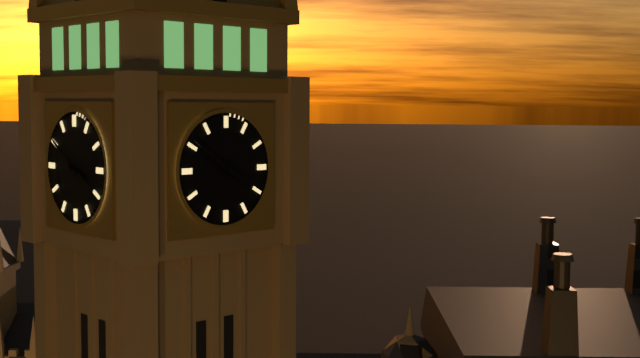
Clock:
{"hour": 3, "minute": 51}
